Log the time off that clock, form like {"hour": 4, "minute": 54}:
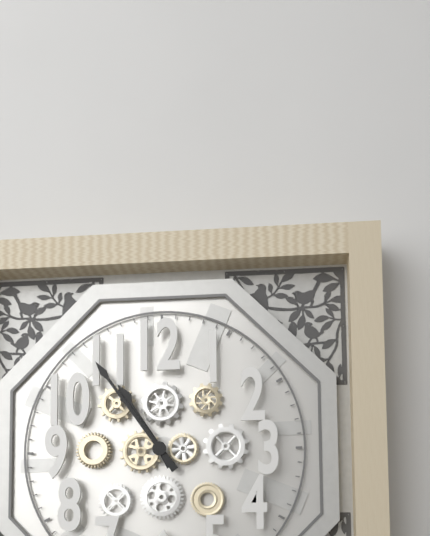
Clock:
{"hour": 10, "minute": 54}
